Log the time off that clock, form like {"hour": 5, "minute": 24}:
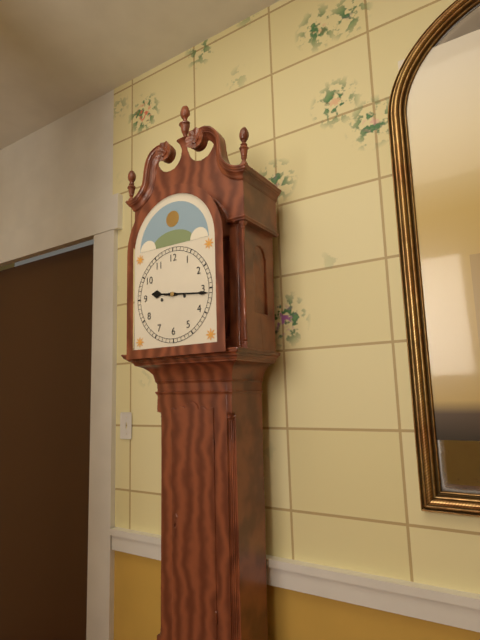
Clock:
{"hour": 9, "minute": 16}
